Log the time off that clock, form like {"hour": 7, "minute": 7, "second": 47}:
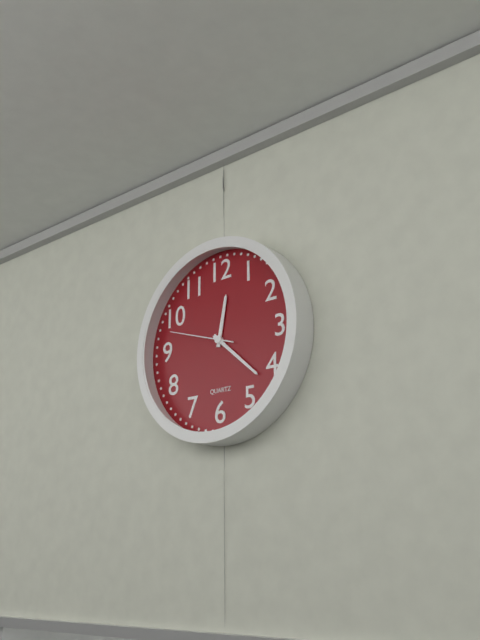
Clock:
{"hour": 12, "minute": 22, "second": 48}
